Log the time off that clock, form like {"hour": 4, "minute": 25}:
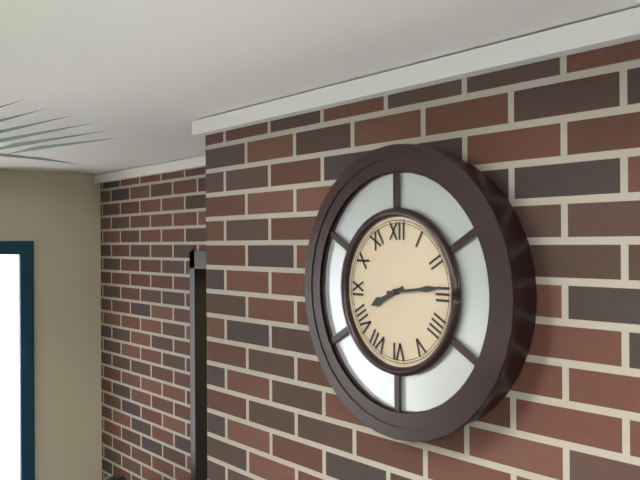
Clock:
{"hour": 8, "minute": 14}
